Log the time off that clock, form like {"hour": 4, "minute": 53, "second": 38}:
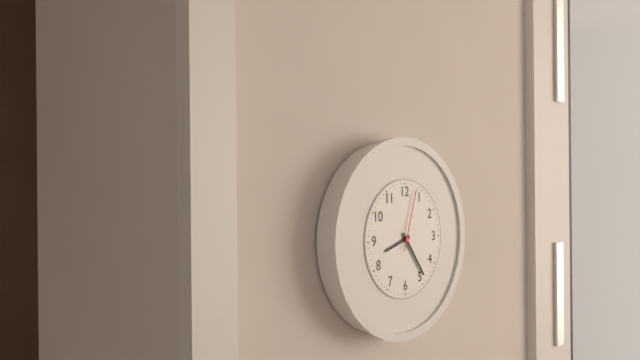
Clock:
{"hour": 8, "minute": 24, "second": 3}
